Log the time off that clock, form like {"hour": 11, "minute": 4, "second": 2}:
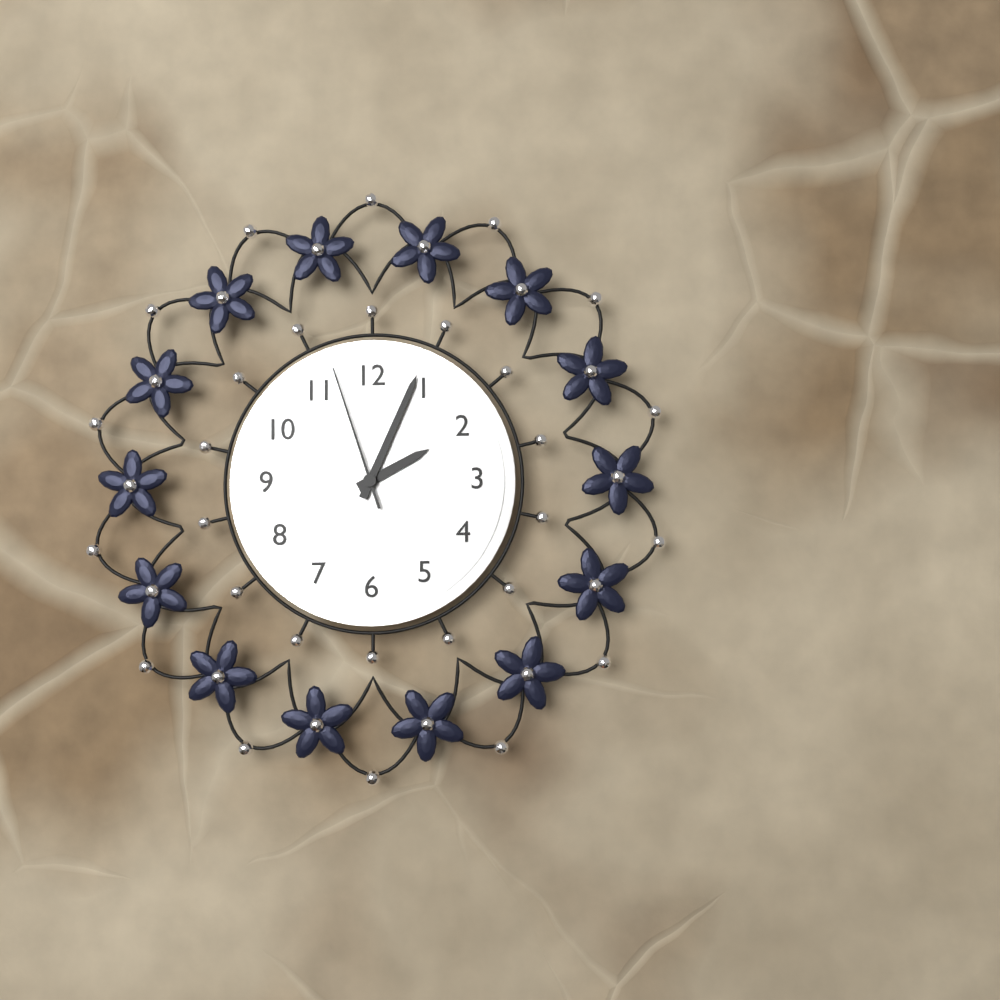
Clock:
{"hour": 2, "minute": 4, "second": 57}
